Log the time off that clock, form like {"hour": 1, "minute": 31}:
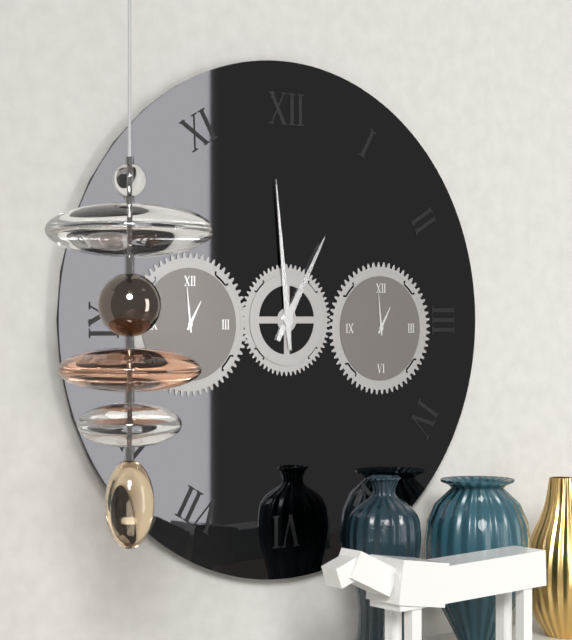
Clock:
{"hour": 12, "minute": 59}
